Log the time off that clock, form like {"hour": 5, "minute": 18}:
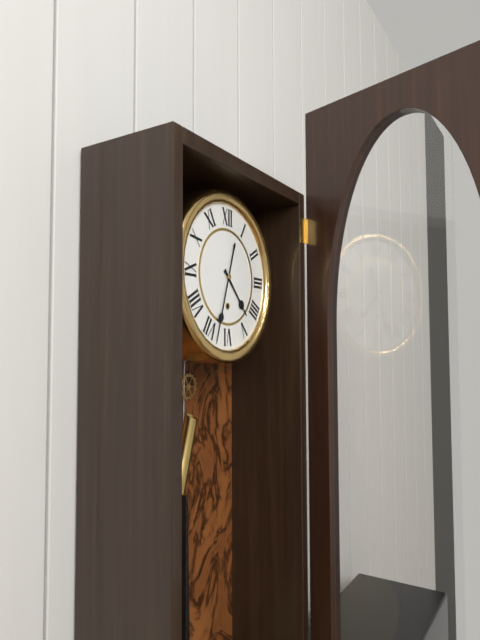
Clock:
{"hour": 4, "minute": 33}
